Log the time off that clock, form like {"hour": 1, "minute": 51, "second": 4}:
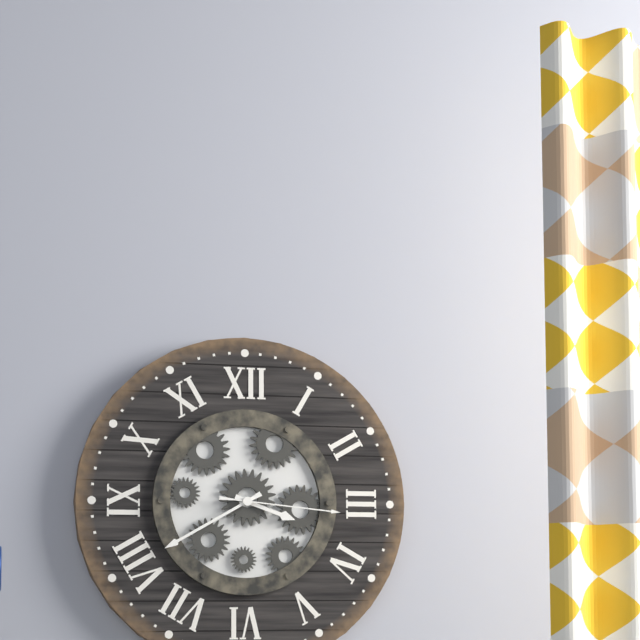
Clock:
{"hour": 3, "minute": 40, "second": 16}
